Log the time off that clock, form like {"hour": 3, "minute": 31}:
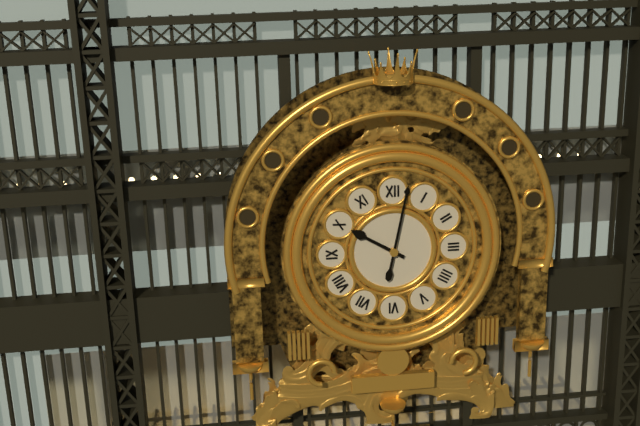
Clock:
{"hour": 10, "minute": 2}
